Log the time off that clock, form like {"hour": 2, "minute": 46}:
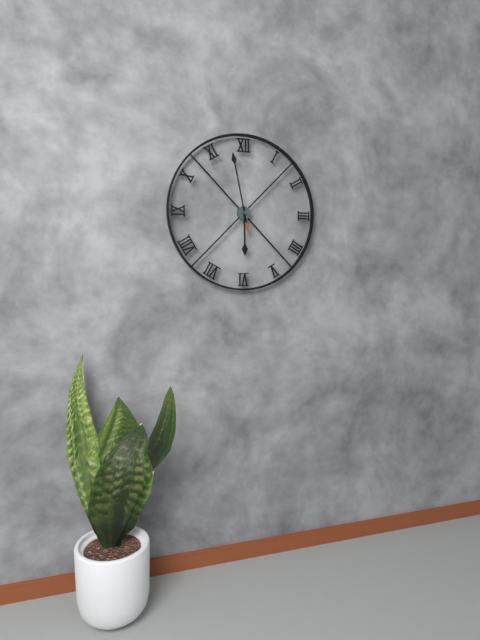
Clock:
{"hour": 5, "minute": 58}
